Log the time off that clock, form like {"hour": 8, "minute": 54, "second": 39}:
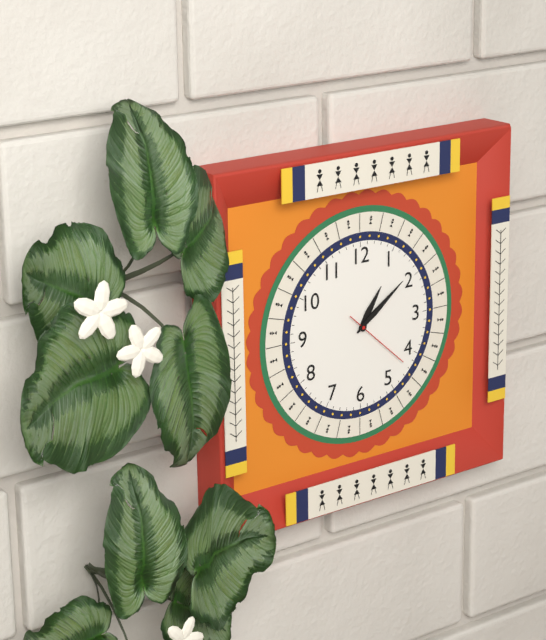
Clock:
{"hour": 1, "minute": 9, "second": 22}
